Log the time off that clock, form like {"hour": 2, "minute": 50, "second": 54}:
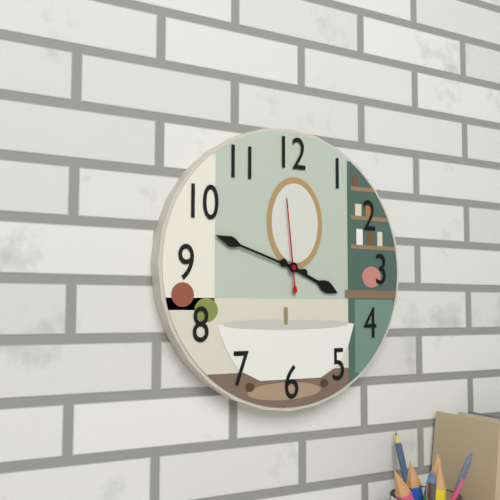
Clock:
{"hour": 3, "minute": 48, "second": 59}
